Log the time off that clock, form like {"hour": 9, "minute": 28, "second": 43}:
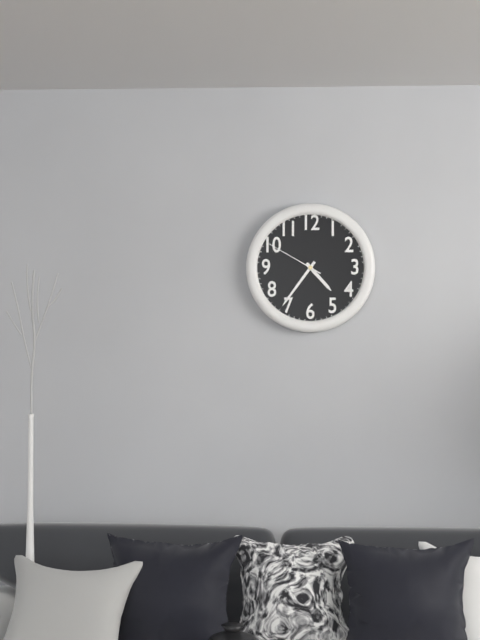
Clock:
{"hour": 4, "minute": 36, "second": 50}
